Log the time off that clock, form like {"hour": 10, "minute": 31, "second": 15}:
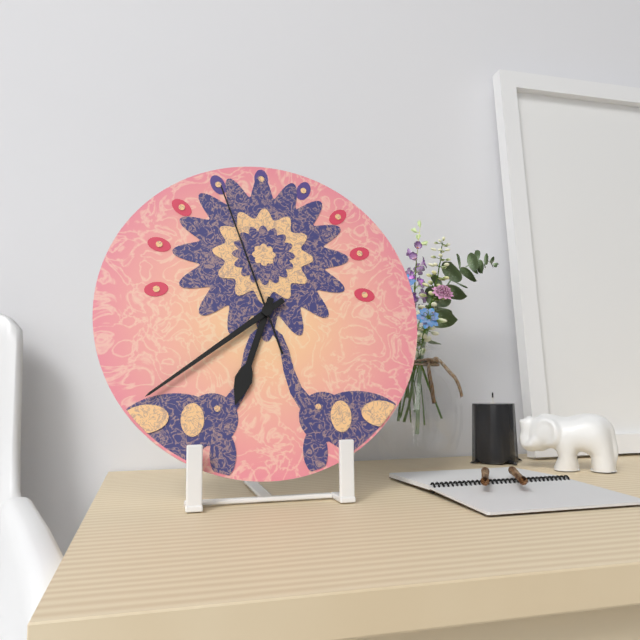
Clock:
{"hour": 6, "minute": 39, "second": 57}
